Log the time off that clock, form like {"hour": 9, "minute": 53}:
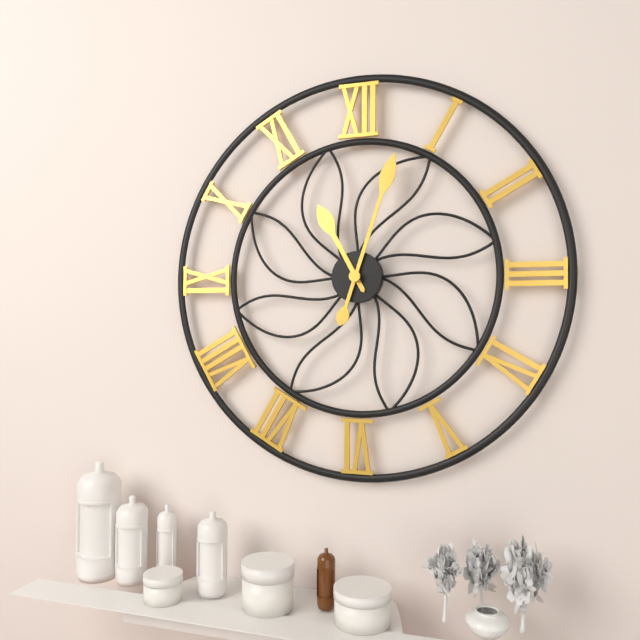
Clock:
{"hour": 11, "minute": 3}
